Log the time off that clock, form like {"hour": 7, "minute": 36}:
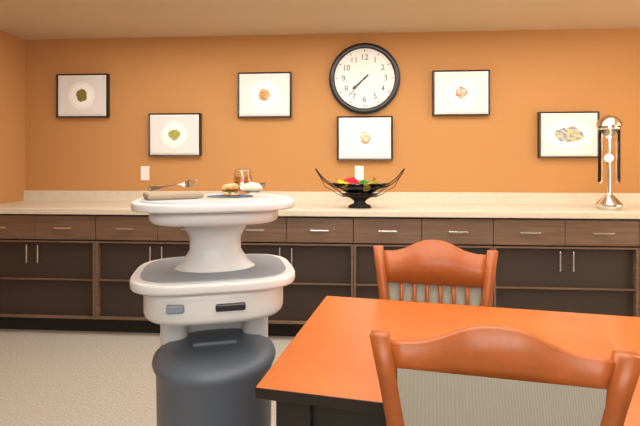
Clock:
{"hour": 7, "minute": 37}
